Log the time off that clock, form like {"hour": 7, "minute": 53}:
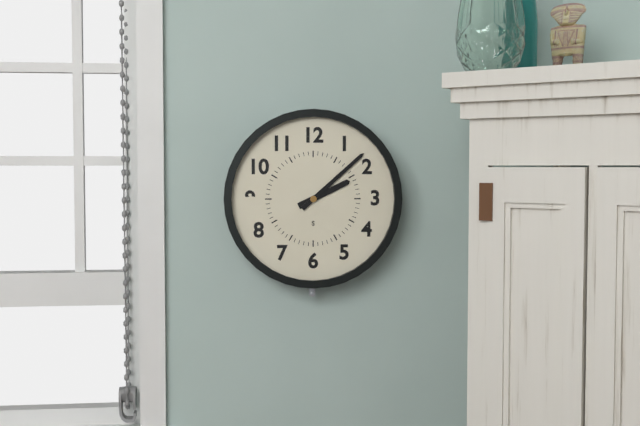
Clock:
{"hour": 2, "minute": 8}
